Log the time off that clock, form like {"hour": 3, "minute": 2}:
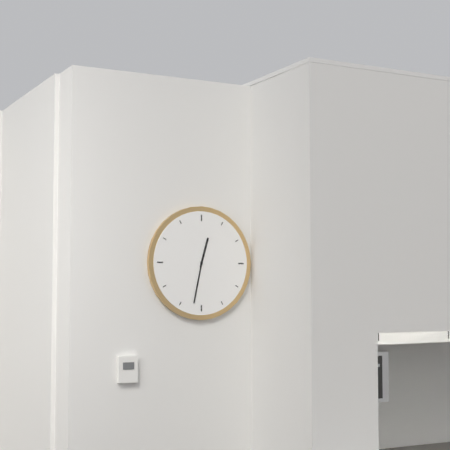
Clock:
{"hour": 12, "minute": 32}
